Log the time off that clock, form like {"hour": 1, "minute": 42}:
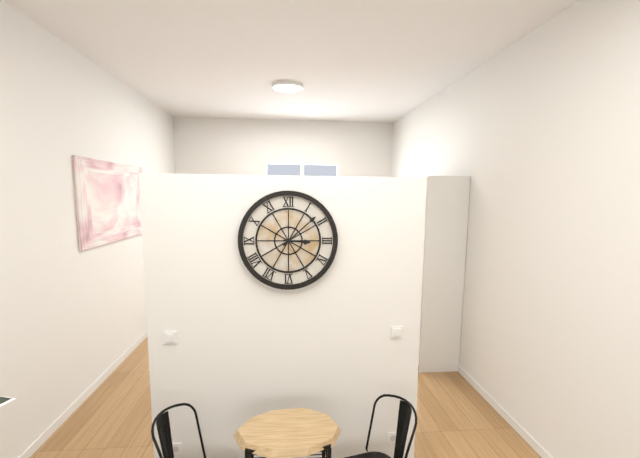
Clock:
{"hour": 3, "minute": 8}
